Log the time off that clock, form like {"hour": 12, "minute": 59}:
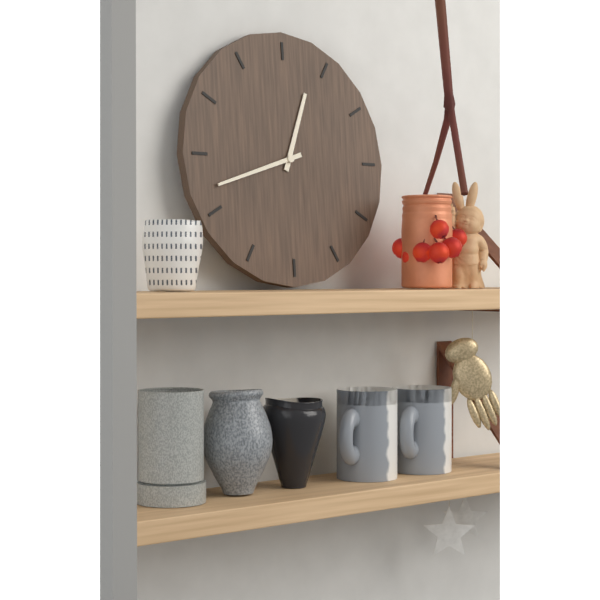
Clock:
{"hour": 12, "minute": 42}
